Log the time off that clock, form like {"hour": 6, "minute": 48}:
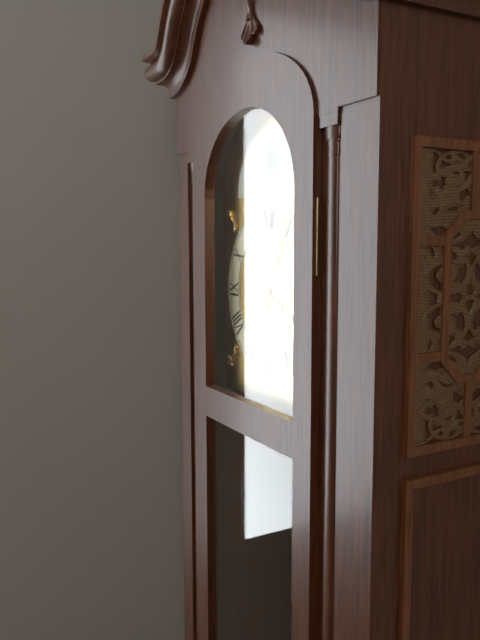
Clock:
{"hour": 4, "minute": 4}
